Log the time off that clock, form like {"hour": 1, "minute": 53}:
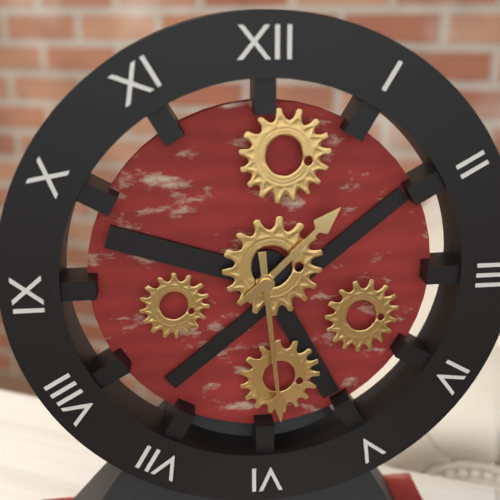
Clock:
{"hour": 1, "minute": 29}
